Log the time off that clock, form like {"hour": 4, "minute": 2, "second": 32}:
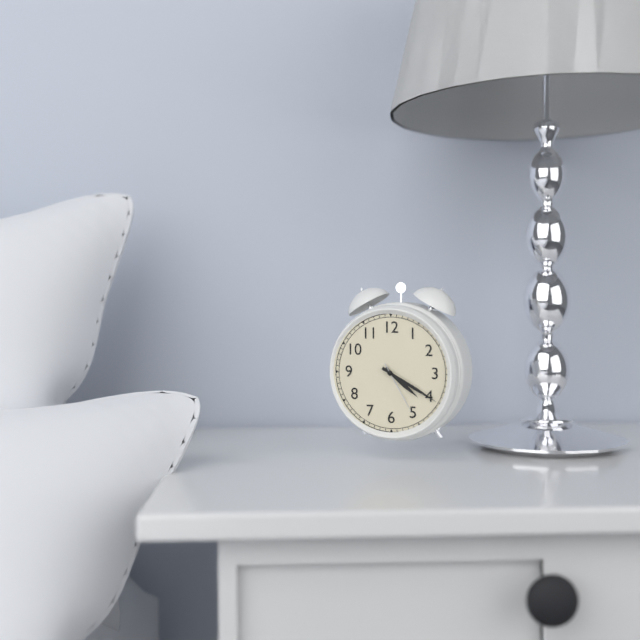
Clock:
{"hour": 4, "minute": 20, "second": 25}
